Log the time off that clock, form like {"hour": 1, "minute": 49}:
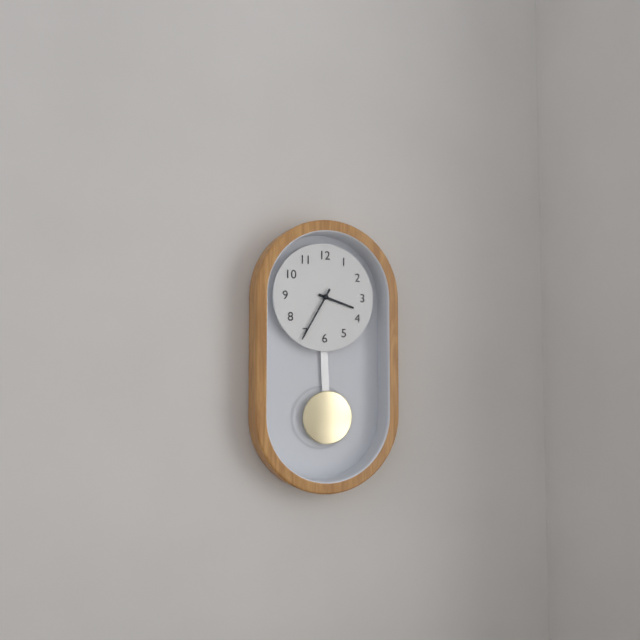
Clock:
{"hour": 3, "minute": 35}
